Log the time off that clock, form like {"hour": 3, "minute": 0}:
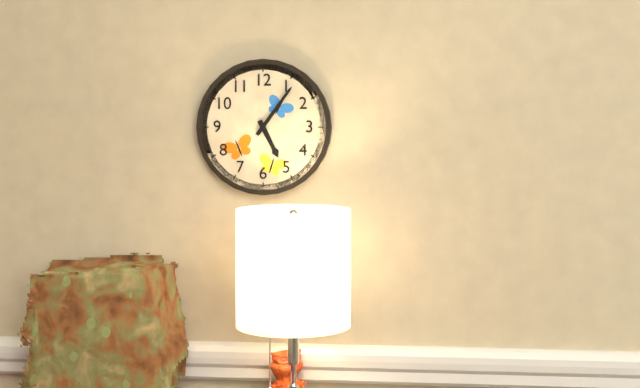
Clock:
{"hour": 5, "minute": 6}
